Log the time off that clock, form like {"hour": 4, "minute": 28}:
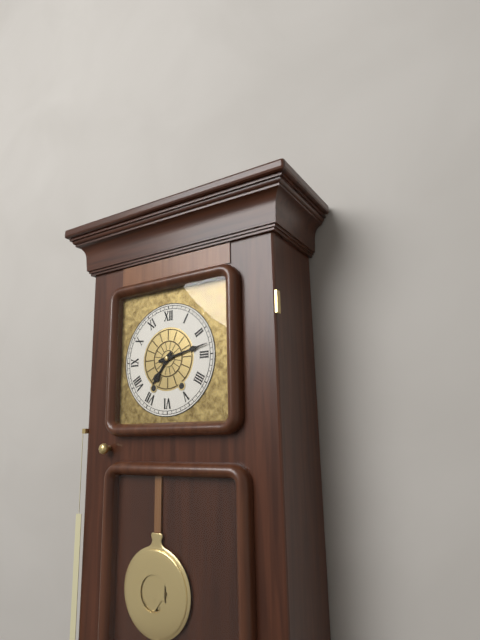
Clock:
{"hour": 7, "minute": 13}
